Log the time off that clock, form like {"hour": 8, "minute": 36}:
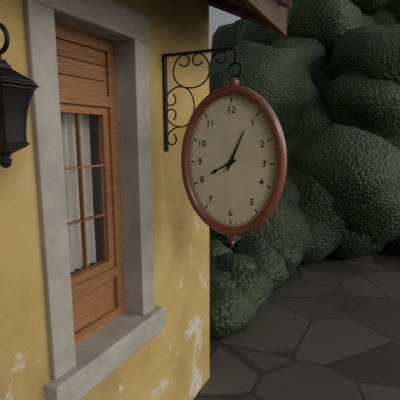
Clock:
{"hour": 8, "minute": 4}
